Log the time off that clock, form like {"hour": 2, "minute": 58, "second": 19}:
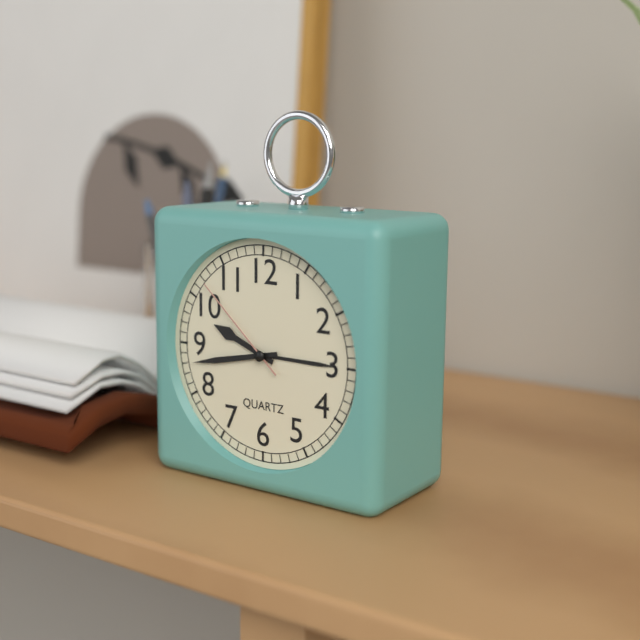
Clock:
{"hour": 9, "minute": 43, "second": 52}
